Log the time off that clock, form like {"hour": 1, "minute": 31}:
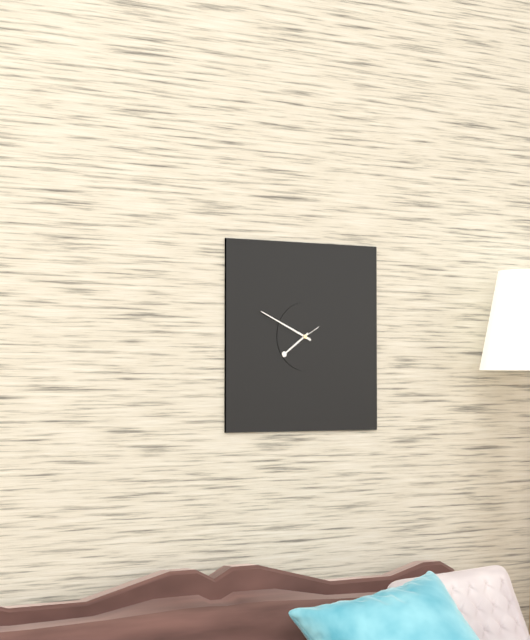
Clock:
{"hour": 7, "minute": 49}
